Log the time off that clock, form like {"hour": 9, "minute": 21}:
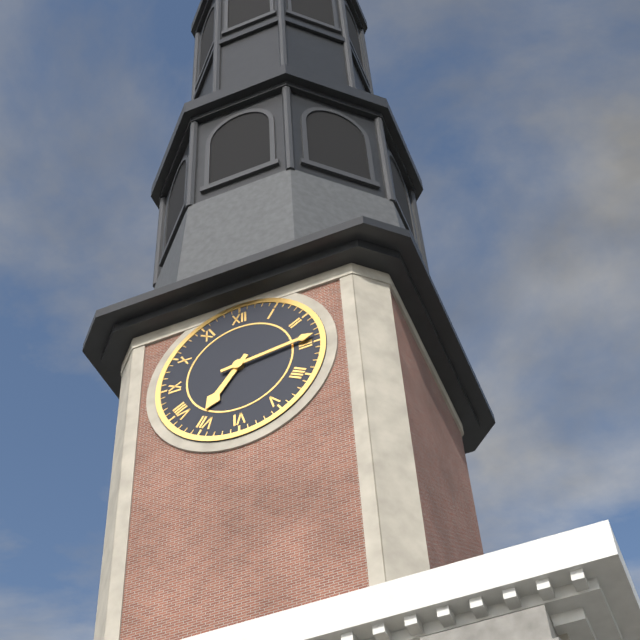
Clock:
{"hour": 7, "minute": 14}
